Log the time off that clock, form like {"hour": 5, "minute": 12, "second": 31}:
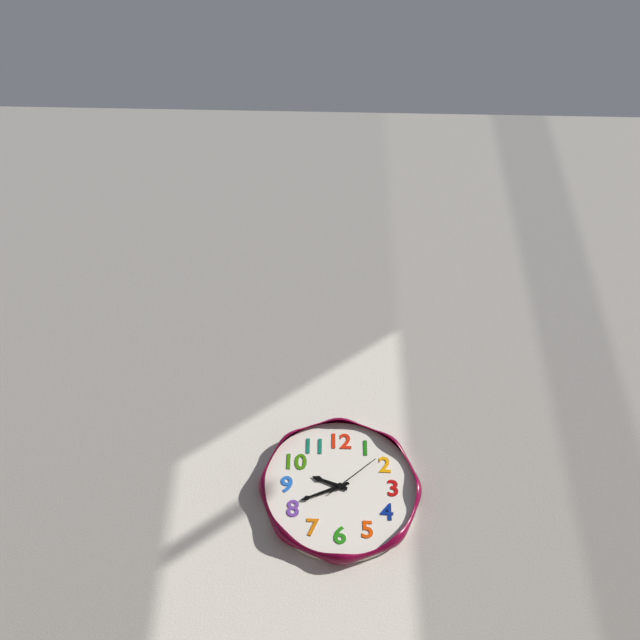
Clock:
{"hour": 9, "minute": 41, "second": 8}
